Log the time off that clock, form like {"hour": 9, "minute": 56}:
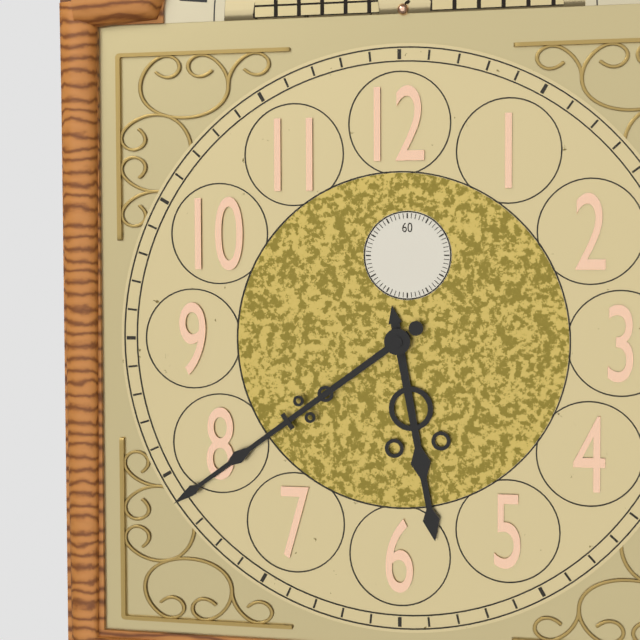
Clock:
{"hour": 5, "minute": 39}
